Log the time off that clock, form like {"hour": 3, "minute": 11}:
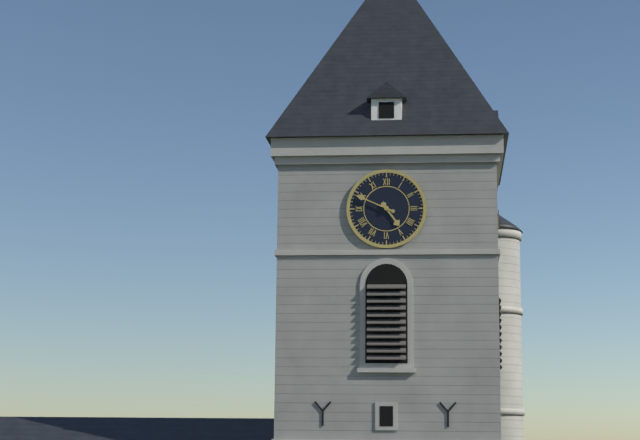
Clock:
{"hour": 4, "minute": 49}
